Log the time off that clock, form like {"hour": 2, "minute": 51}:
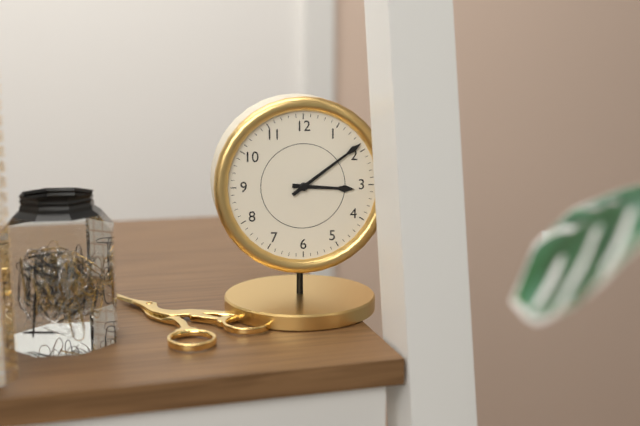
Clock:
{"hour": 3, "minute": 9}
